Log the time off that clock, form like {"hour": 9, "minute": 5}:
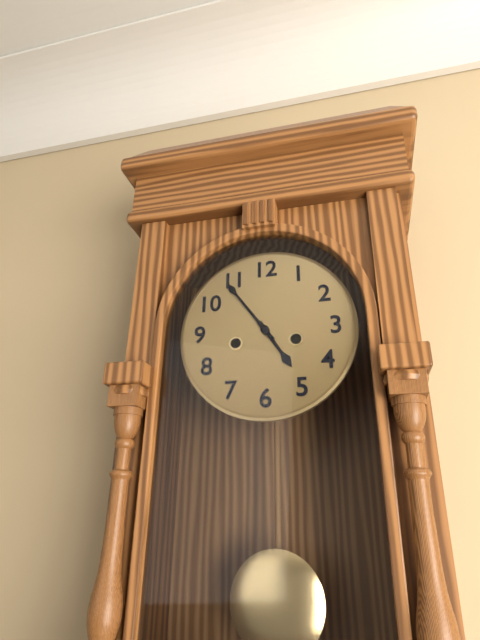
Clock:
{"hour": 4, "minute": 54}
